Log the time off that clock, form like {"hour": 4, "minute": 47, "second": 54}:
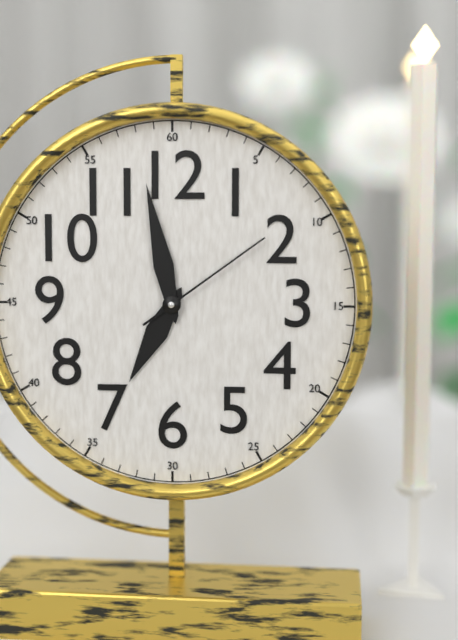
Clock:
{"hour": 6, "minute": 58, "second": 9}
